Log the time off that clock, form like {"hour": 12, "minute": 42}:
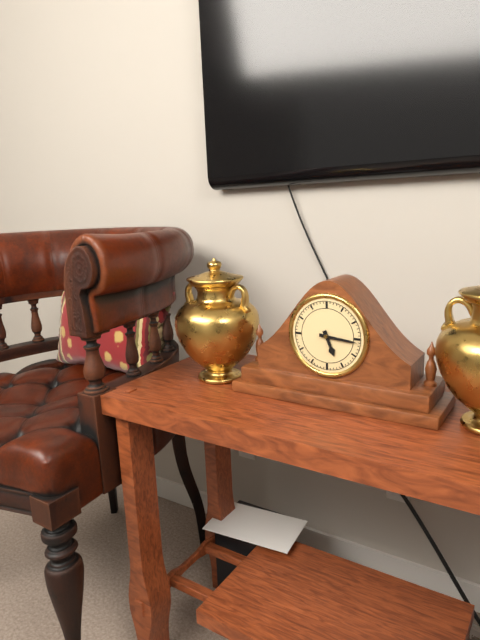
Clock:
{"hour": 5, "minute": 16}
